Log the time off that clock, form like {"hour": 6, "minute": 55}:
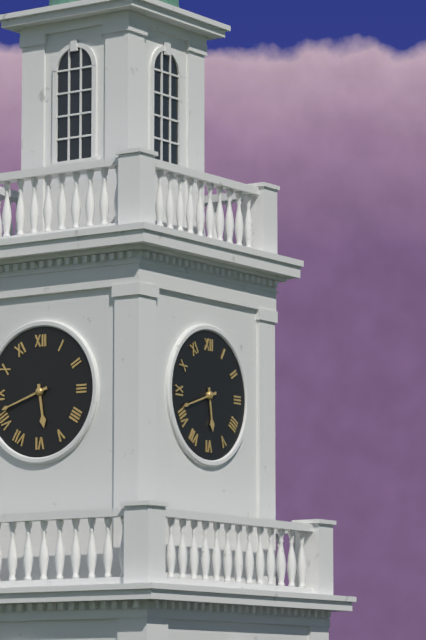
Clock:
{"hour": 5, "minute": 42}
